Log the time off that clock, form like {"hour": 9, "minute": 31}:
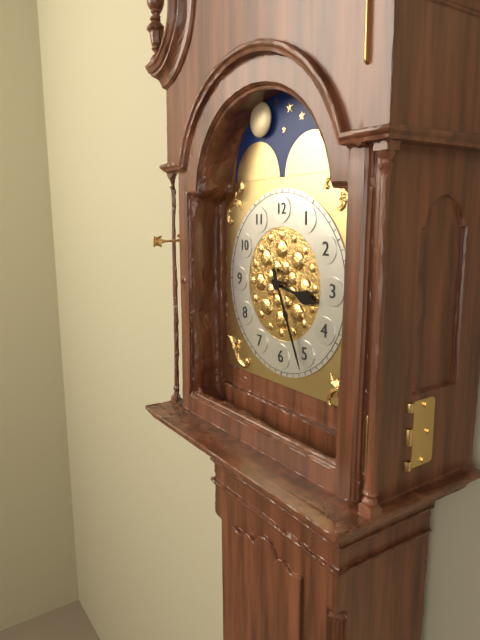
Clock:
{"hour": 3, "minute": 26}
